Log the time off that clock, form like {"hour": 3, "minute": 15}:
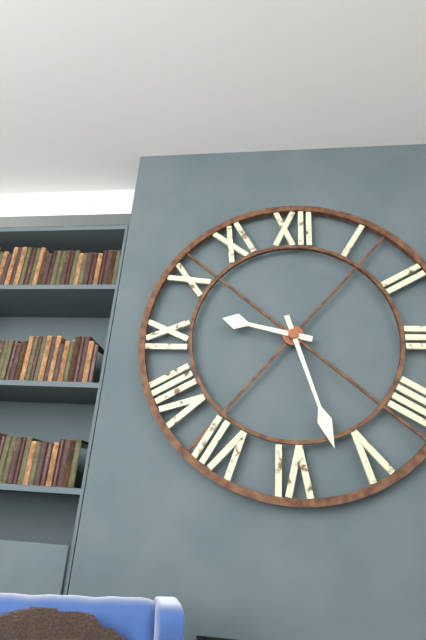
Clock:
{"hour": 9, "minute": 27}
